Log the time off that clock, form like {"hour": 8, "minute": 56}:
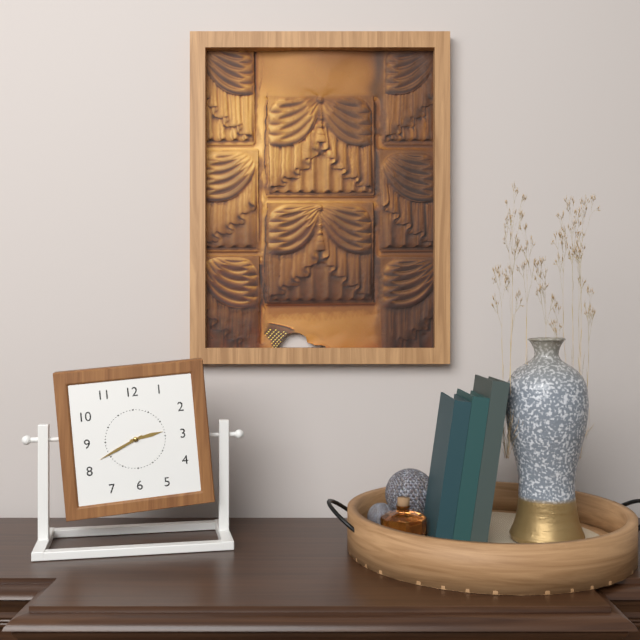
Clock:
{"hour": 2, "minute": 41}
